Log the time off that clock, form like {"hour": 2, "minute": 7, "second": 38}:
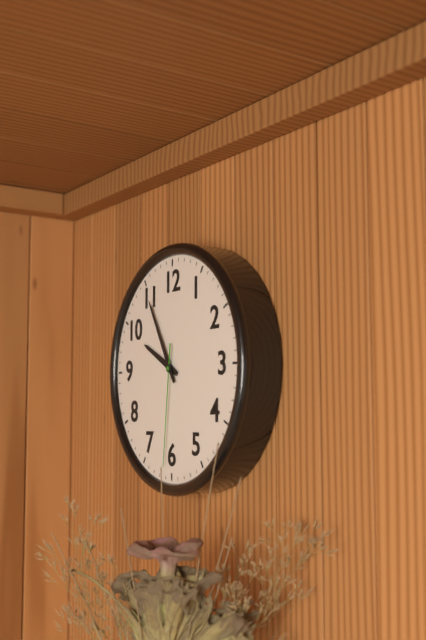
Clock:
{"hour": 9, "minute": 55, "second": 31}
